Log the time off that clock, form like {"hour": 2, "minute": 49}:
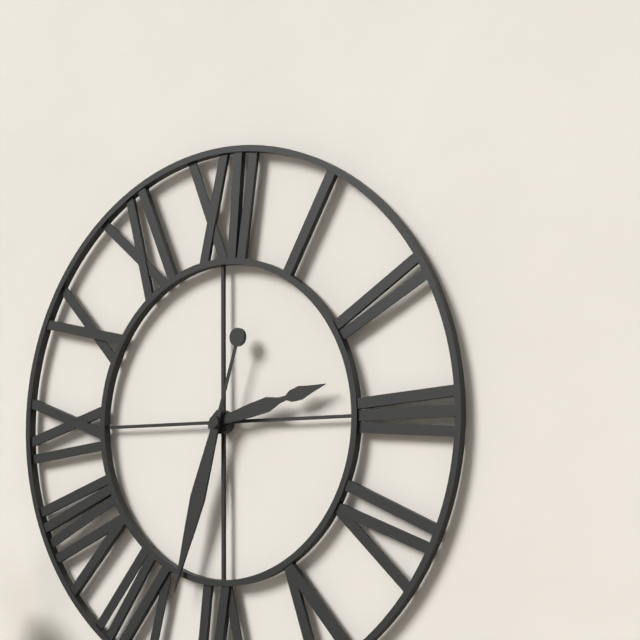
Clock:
{"hour": 2, "minute": 33}
